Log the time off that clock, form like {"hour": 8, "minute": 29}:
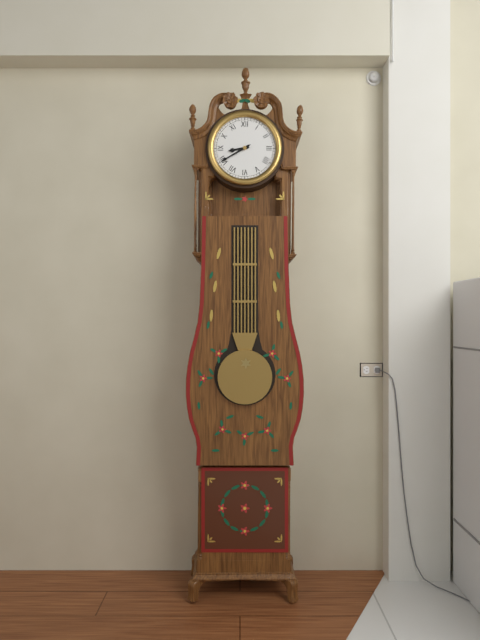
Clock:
{"hour": 8, "minute": 40}
